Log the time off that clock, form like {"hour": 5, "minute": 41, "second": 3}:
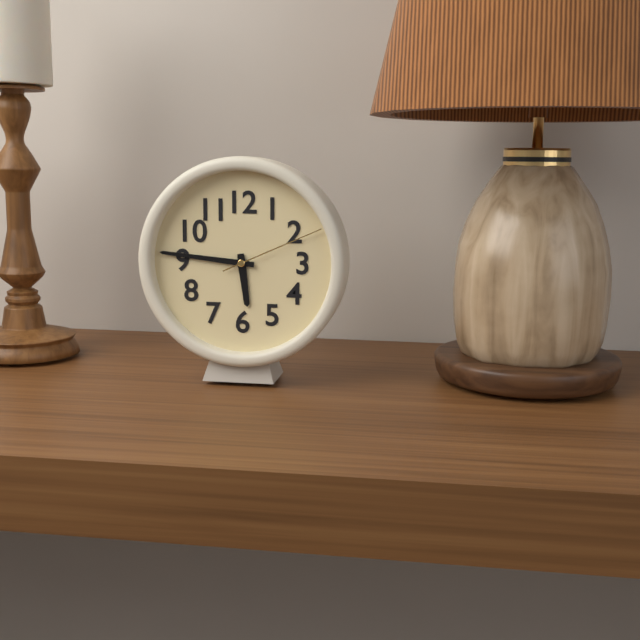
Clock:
{"hour": 5, "minute": 46, "second": 11}
